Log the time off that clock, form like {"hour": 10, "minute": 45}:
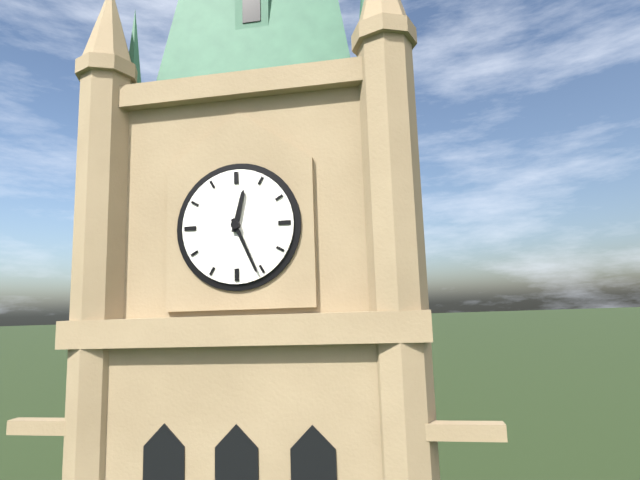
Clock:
{"hour": 12, "minute": 26}
